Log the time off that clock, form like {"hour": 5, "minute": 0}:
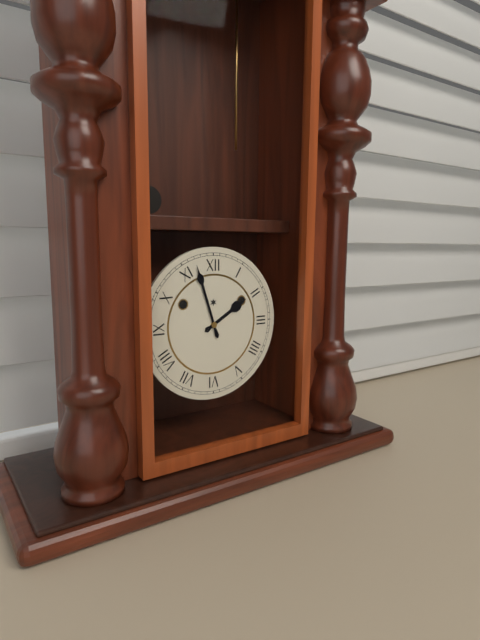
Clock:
{"hour": 1, "minute": 57}
